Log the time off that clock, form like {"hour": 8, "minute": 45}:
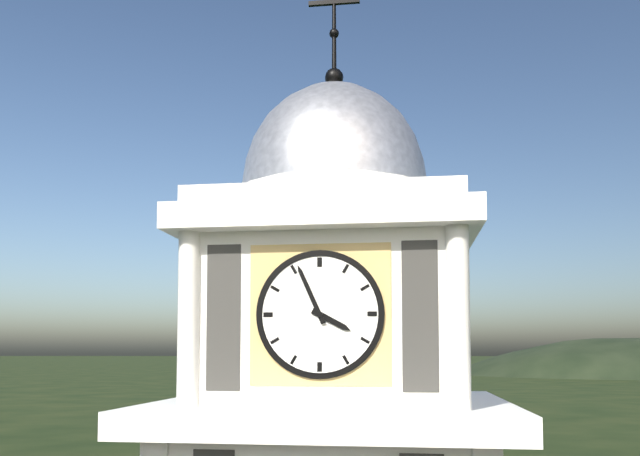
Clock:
{"hour": 3, "minute": 56}
